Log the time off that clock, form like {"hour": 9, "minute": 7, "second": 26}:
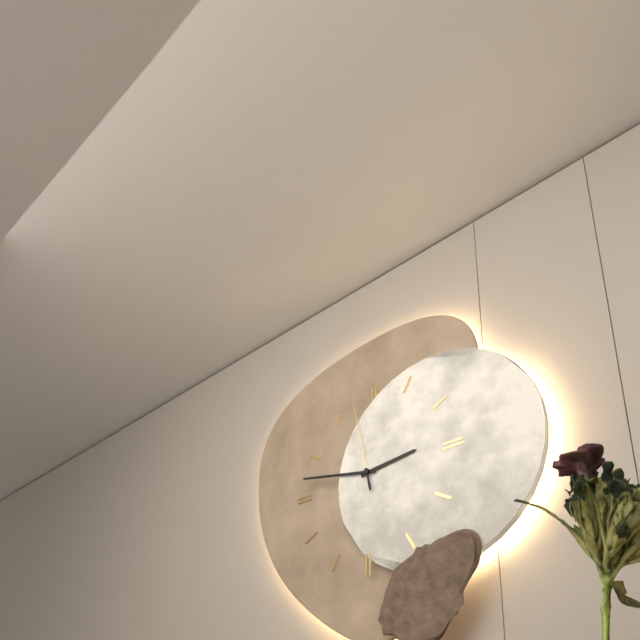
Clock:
{"hour": 2, "minute": 47, "second": 58}
